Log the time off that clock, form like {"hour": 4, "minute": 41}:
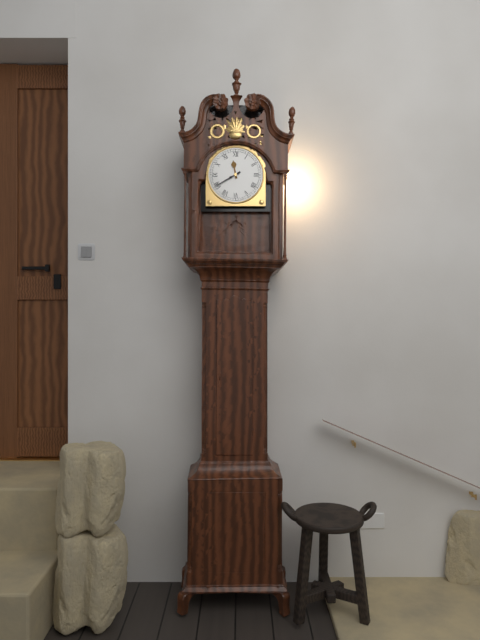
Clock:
{"hour": 11, "minute": 40}
